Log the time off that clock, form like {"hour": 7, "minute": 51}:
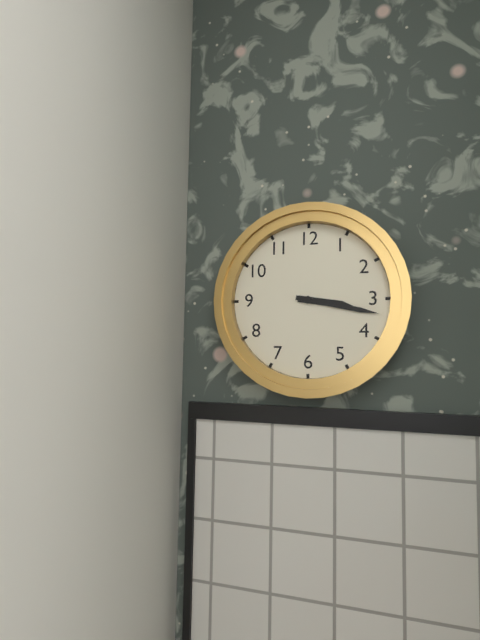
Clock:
{"hour": 3, "minute": 17}
